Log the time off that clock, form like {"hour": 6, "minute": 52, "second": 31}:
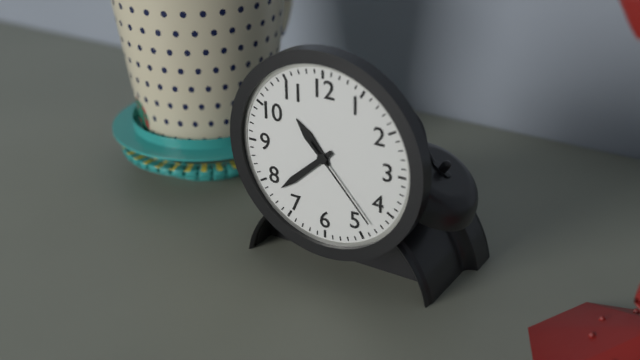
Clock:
{"hour": 10, "minute": 38, "second": 23}
